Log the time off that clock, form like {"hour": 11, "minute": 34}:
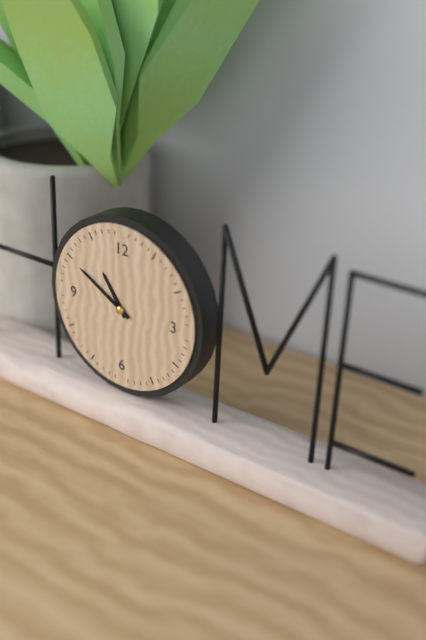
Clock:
{"hour": 10, "minute": 50}
